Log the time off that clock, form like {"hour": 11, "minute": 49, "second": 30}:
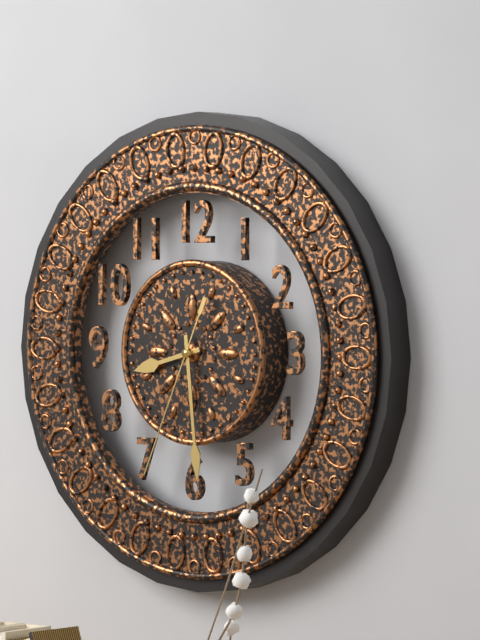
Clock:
{"hour": 8, "minute": 29, "second": 34}
